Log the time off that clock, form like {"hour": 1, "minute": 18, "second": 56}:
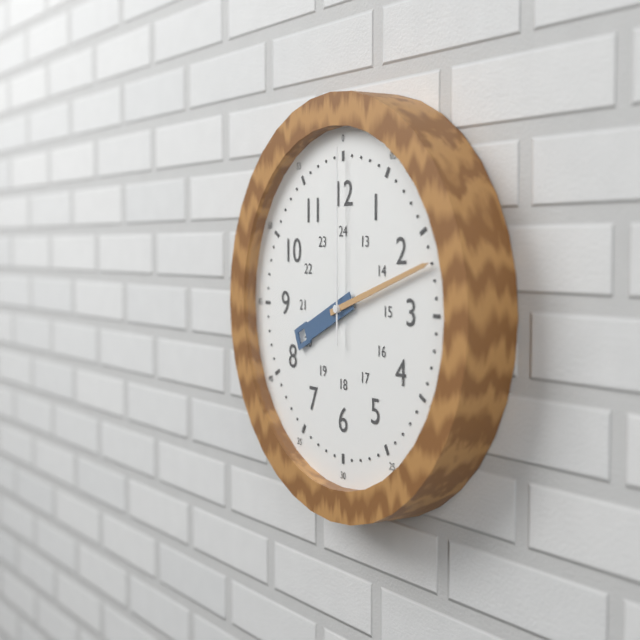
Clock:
{"hour": 8, "minute": 12, "second": 0}
